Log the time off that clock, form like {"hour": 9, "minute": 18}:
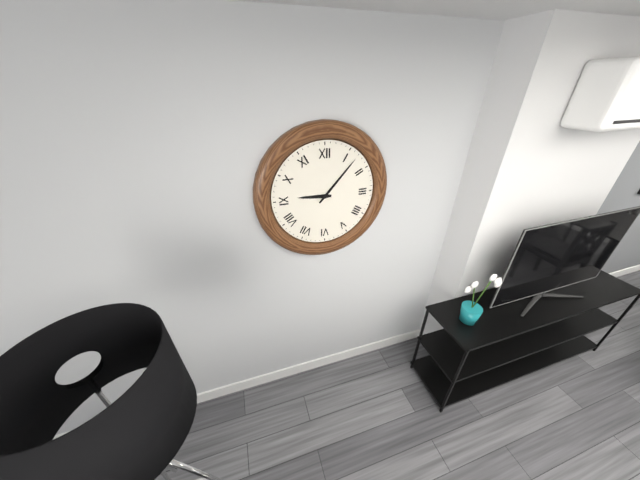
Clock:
{"hour": 9, "minute": 7}
